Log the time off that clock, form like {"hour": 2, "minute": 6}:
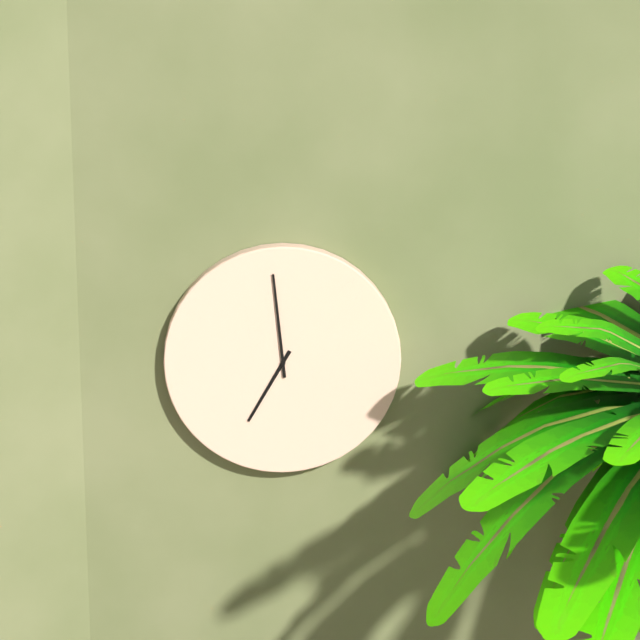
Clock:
{"hour": 6, "minute": 59}
